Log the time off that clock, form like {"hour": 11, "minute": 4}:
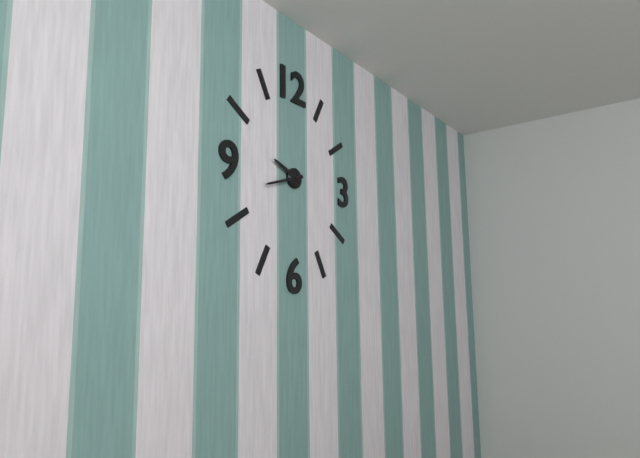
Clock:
{"hour": 9, "minute": 42}
